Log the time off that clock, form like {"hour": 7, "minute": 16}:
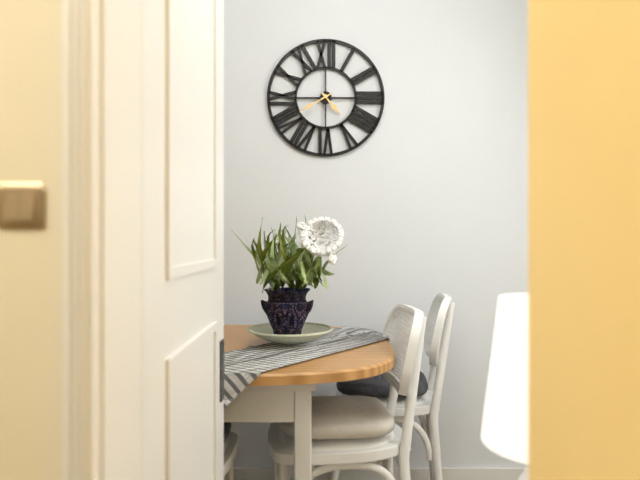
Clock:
{"hour": 4, "minute": 40}
